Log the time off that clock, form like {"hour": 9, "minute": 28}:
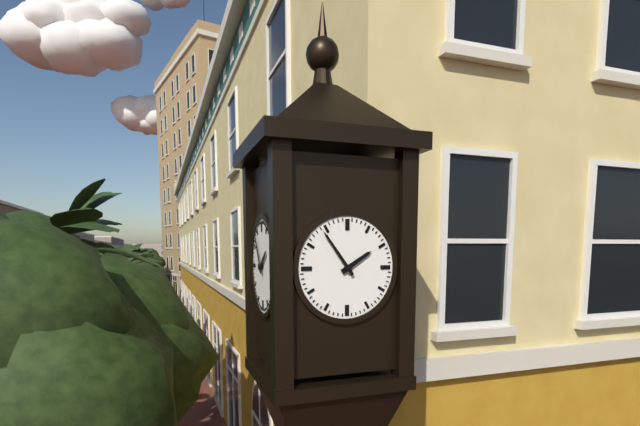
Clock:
{"hour": 1, "minute": 54}
